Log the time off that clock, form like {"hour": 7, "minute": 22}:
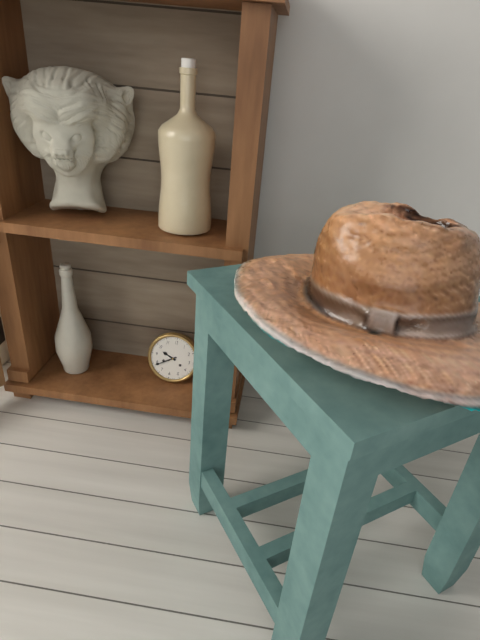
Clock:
{"hour": 9, "minute": 39}
